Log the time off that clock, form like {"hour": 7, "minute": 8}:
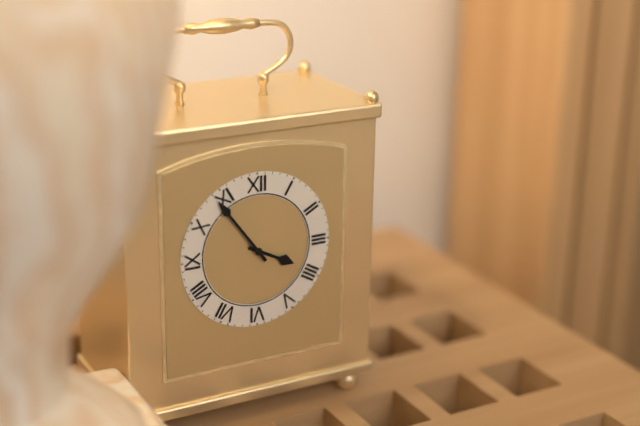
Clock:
{"hour": 3, "minute": 54}
